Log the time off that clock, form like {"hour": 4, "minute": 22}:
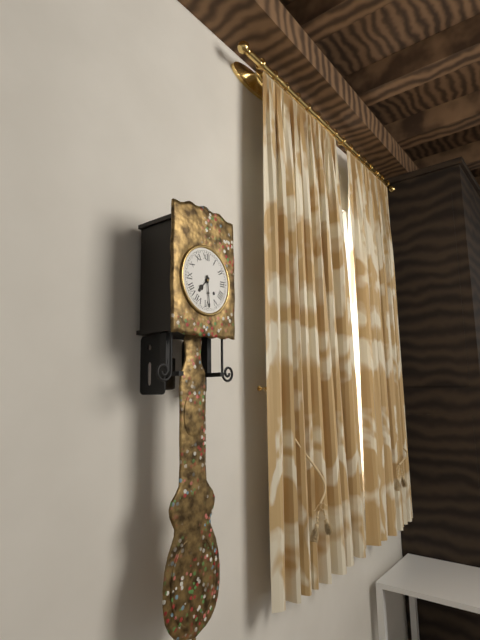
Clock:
{"hour": 7, "minute": 29}
